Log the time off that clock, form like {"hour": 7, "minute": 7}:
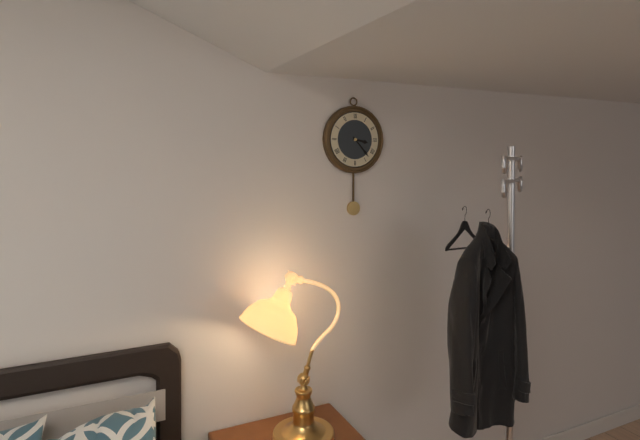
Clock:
{"hour": 3, "minute": 23}
